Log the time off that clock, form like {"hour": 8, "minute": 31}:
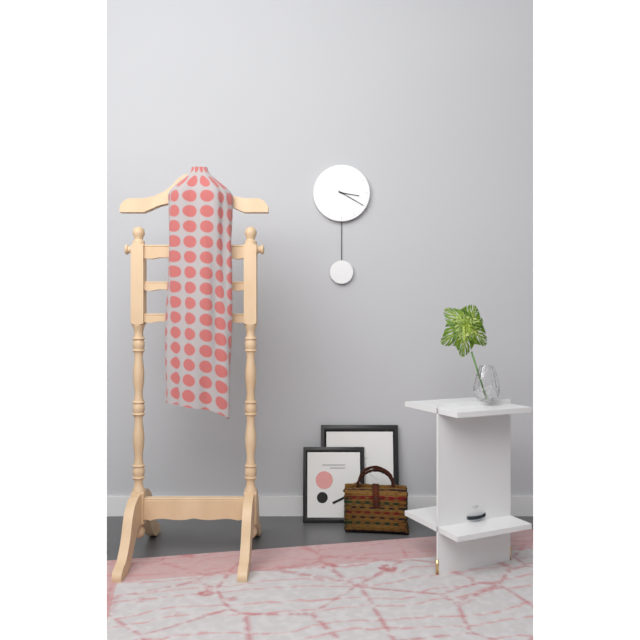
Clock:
{"hour": 3, "minute": 20}
